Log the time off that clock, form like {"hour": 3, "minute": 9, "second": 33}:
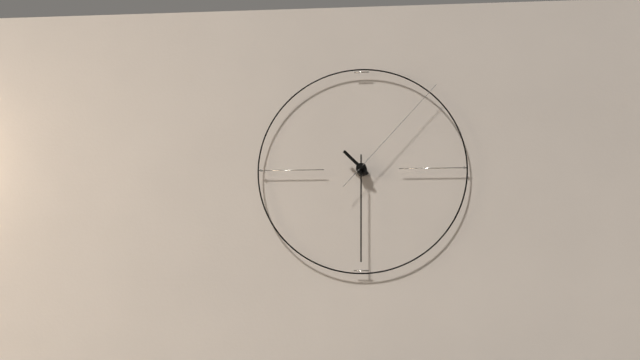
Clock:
{"hour": 10, "minute": 30, "second": 7}
